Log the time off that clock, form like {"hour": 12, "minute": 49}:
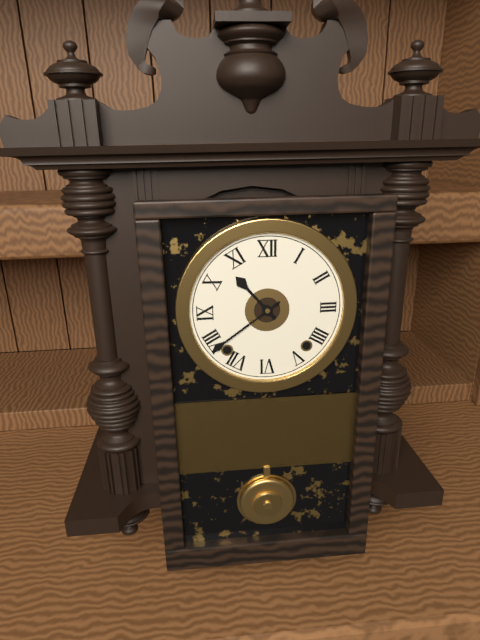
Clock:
{"hour": 10, "minute": 39}
